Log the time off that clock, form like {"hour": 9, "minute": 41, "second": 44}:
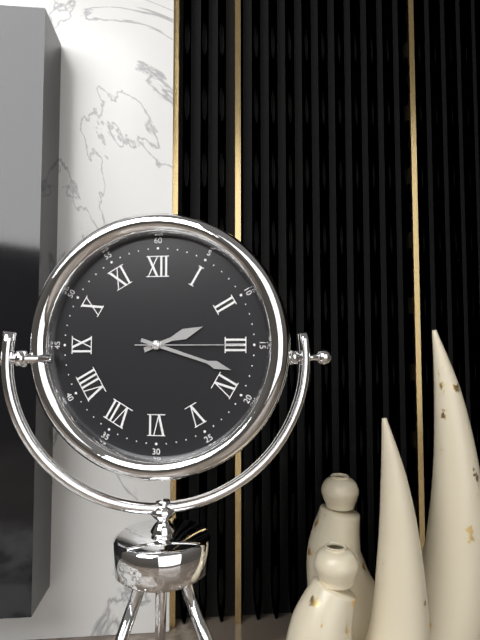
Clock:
{"hour": 2, "minute": 18, "second": 15}
